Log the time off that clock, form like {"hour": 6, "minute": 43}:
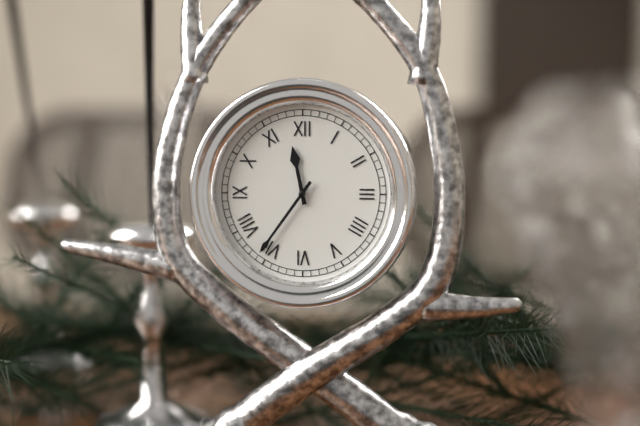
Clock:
{"hour": 11, "minute": 36}
